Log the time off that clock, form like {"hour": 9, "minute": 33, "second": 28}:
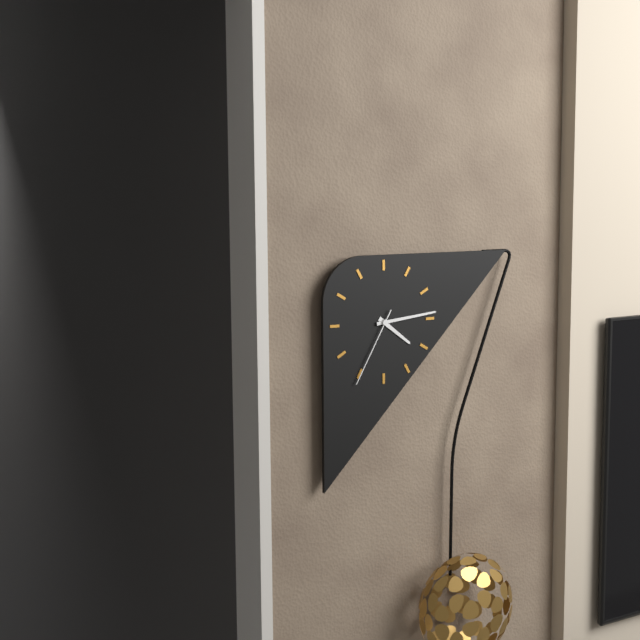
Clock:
{"hour": 4, "minute": 14, "second": 35}
